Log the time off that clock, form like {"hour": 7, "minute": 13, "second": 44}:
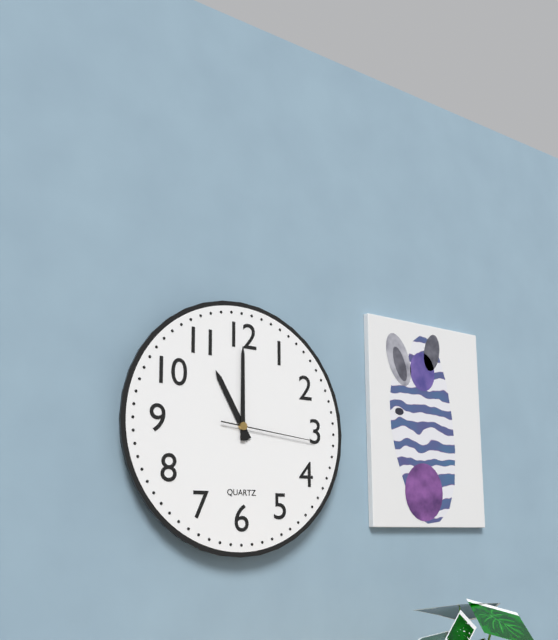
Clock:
{"hour": 11, "minute": 0, "second": 16}
